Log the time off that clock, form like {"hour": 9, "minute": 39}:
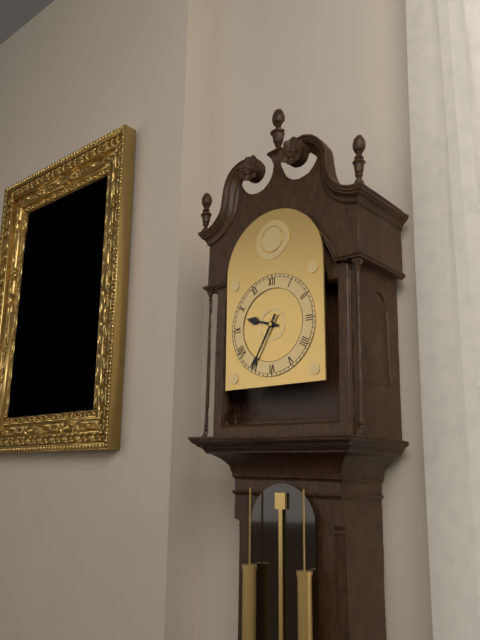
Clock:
{"hour": 9, "minute": 35}
